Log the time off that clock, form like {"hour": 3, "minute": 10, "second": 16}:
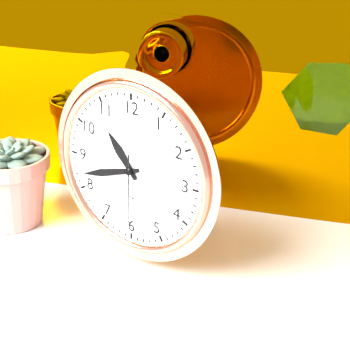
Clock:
{"hour": 10, "minute": 42, "second": 30}
